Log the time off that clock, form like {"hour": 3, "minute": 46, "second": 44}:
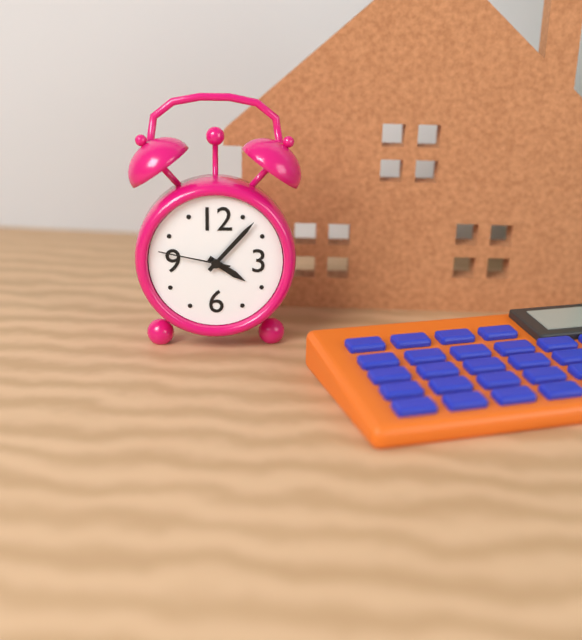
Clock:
{"hour": 4, "minute": 7, "second": 47}
